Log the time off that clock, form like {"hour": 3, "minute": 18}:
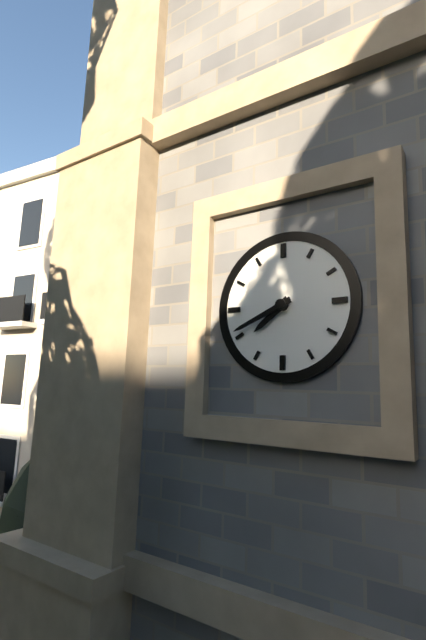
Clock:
{"hour": 7, "minute": 41}
